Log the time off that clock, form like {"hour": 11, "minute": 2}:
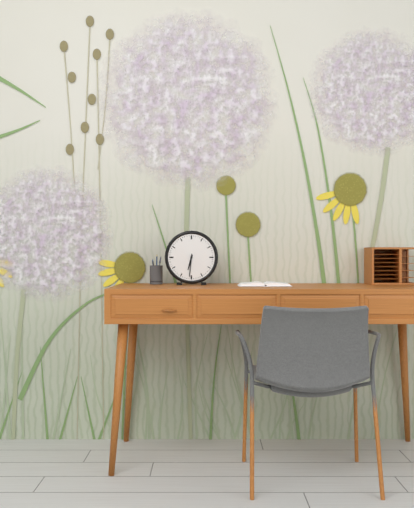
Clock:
{"hour": 6, "minute": 31}
